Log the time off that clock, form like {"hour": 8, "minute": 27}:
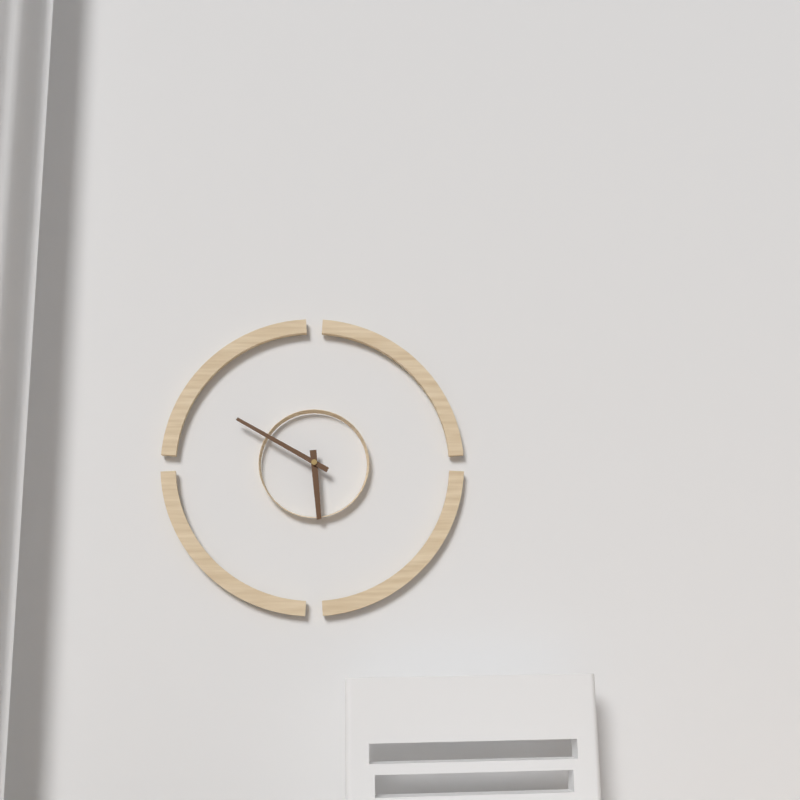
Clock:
{"hour": 5, "minute": 50}
